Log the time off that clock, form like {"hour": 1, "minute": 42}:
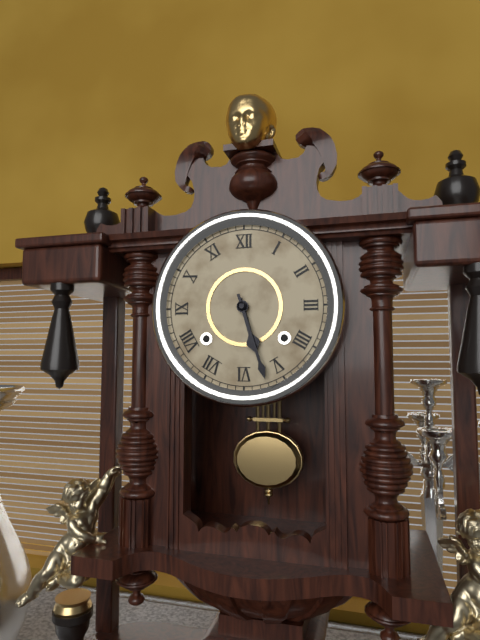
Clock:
{"hour": 5, "minute": 27}
